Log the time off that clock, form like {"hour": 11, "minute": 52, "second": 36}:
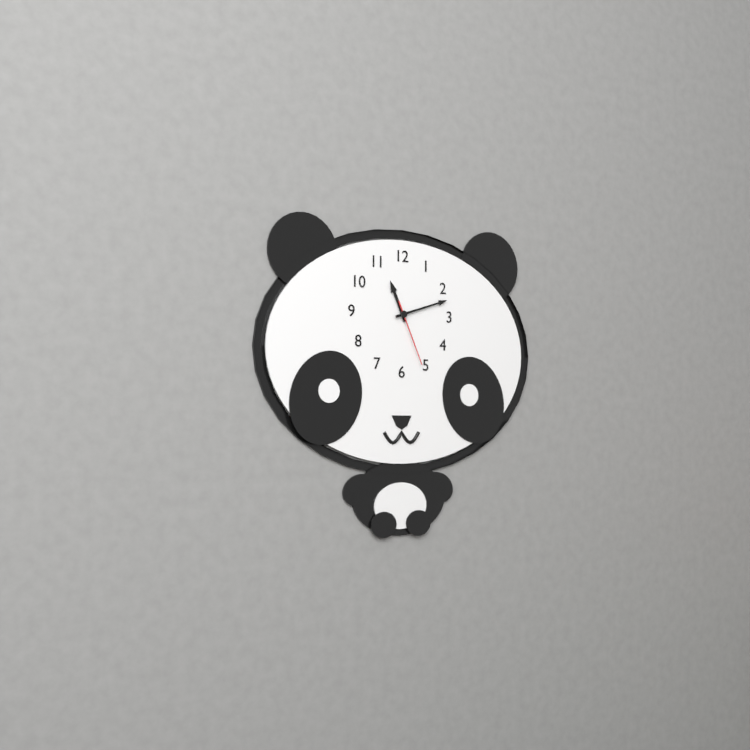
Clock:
{"hour": 11, "minute": 12, "second": 26}
